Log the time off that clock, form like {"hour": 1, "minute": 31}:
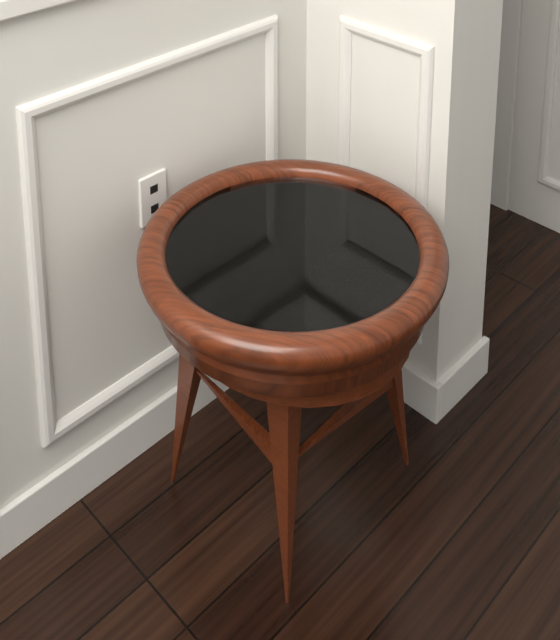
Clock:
{"hour": 7, "minute": 21}
